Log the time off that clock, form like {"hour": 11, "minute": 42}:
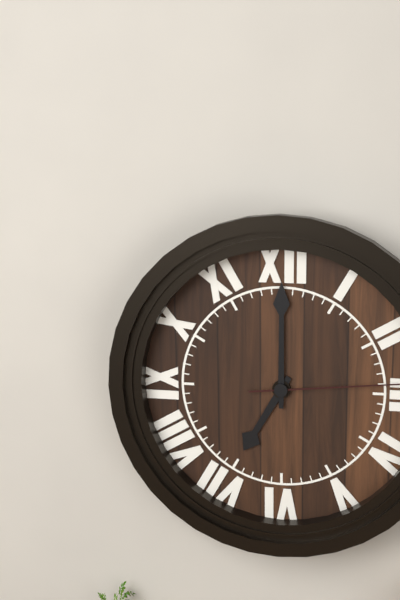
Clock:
{"hour": 7, "minute": 0}
